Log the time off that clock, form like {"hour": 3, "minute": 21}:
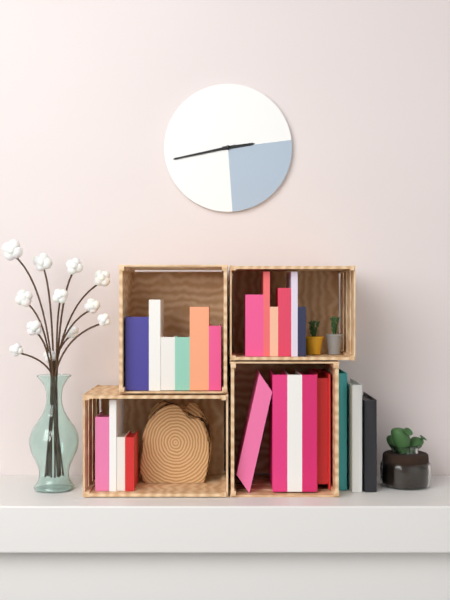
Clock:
{"hour": 2, "minute": 43}
